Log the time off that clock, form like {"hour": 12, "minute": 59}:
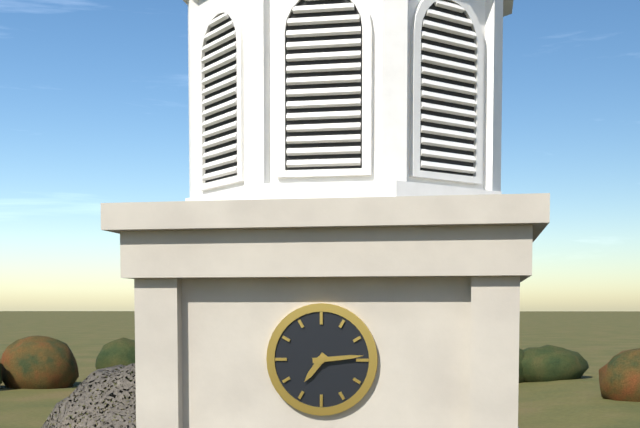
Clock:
{"hour": 7, "minute": 14}
